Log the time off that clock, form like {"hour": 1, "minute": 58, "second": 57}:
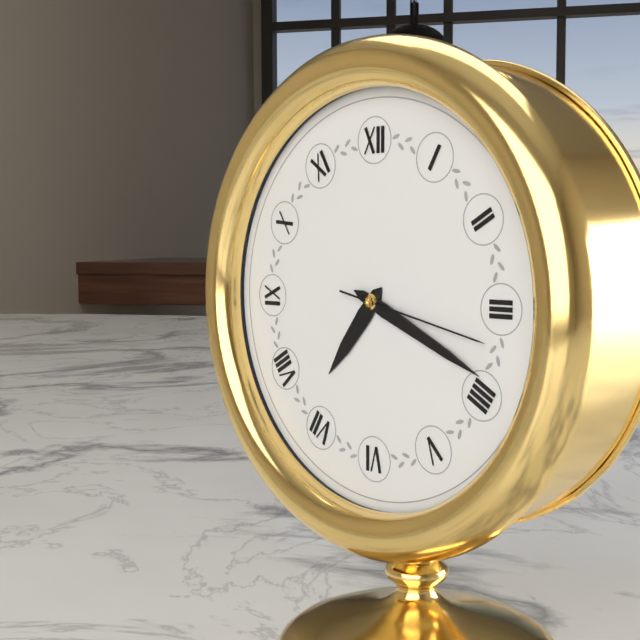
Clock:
{"hour": 7, "minute": 19, "second": 17}
